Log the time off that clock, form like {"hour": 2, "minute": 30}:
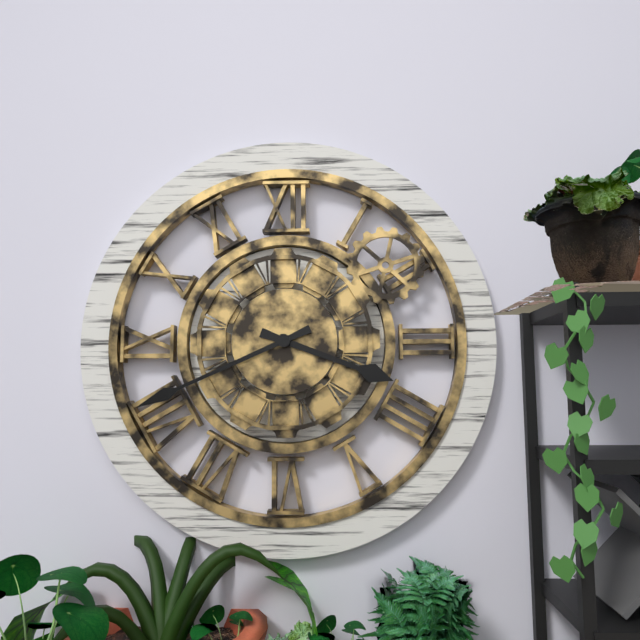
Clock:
{"hour": 3, "minute": 41}
